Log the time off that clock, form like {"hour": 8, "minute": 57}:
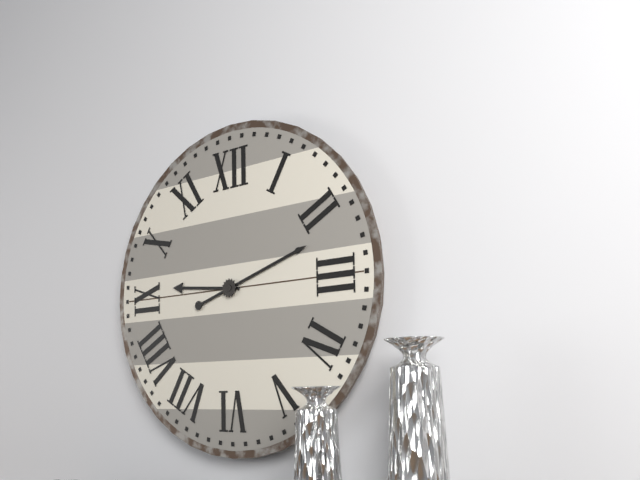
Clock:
{"hour": 9, "minute": 12}
